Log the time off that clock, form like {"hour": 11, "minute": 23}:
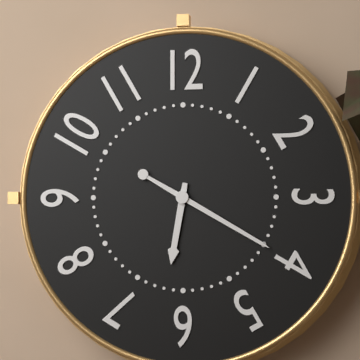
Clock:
{"hour": 6, "minute": 20}
